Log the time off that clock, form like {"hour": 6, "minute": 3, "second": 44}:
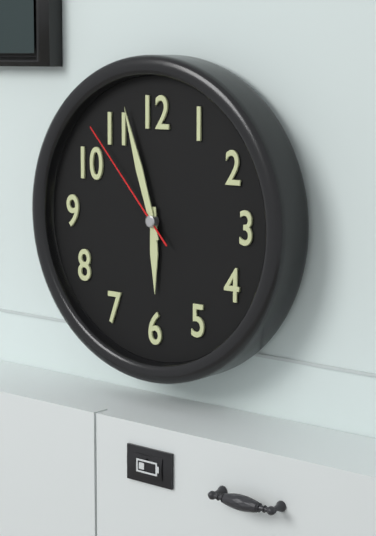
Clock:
{"hour": 5, "minute": 57, "second": 53}
